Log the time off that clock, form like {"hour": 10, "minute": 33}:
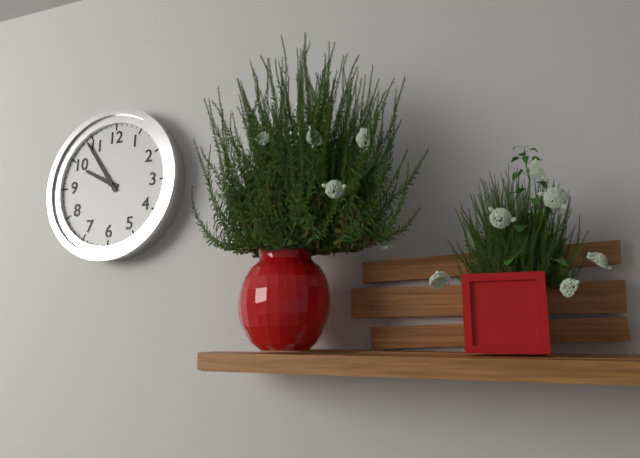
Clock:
{"hour": 9, "minute": 54}
